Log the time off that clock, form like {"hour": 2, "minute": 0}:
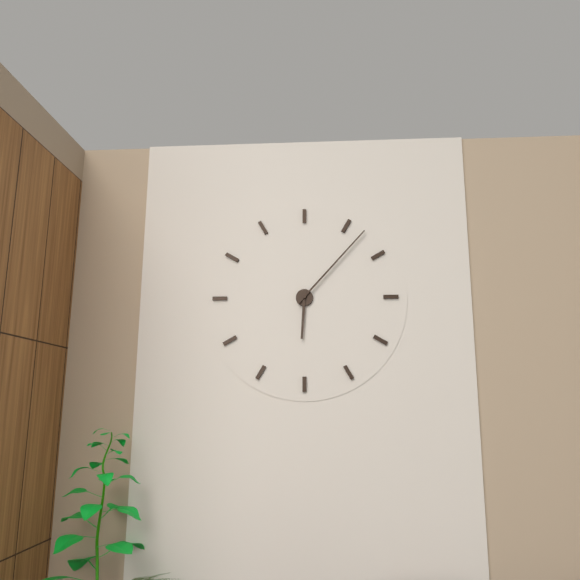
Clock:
{"hour": 6, "minute": 7}
